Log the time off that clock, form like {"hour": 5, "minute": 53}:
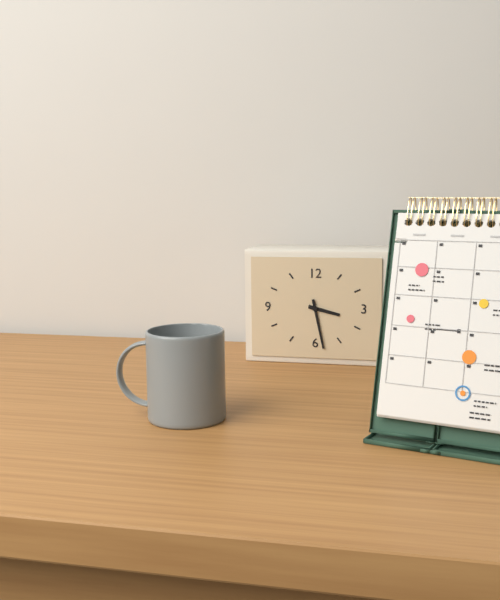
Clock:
{"hour": 3, "minute": 28}
